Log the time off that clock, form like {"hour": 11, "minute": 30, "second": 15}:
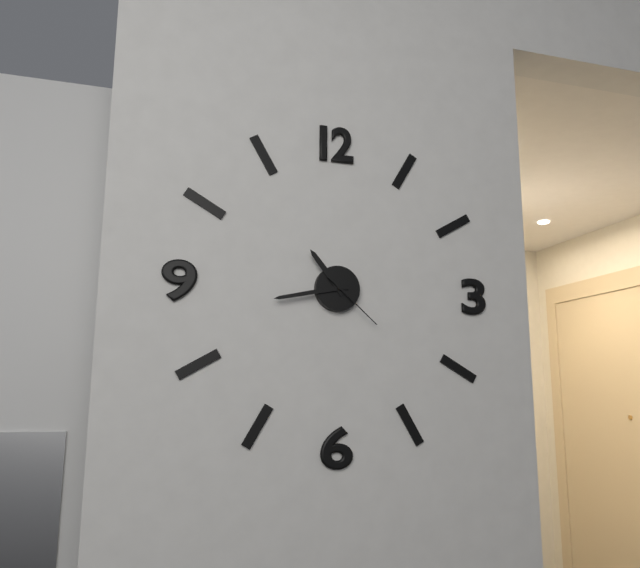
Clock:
{"hour": 10, "minute": 43, "second": 22}
